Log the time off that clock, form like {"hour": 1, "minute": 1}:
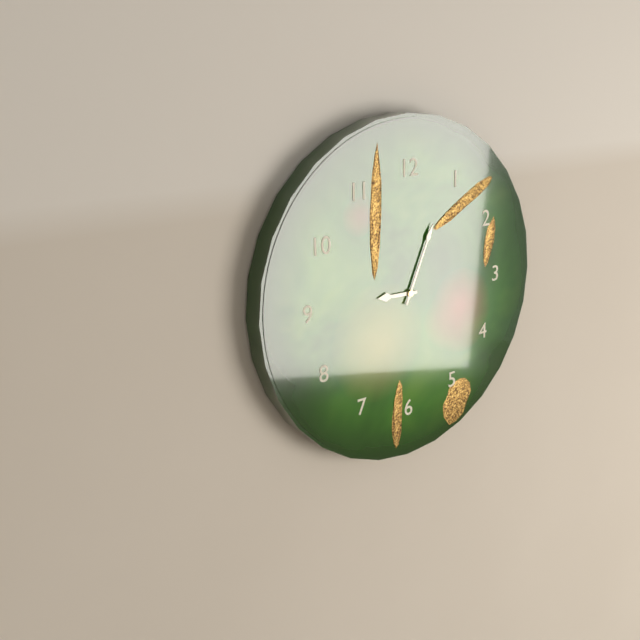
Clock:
{"hour": 9, "minute": 4}
